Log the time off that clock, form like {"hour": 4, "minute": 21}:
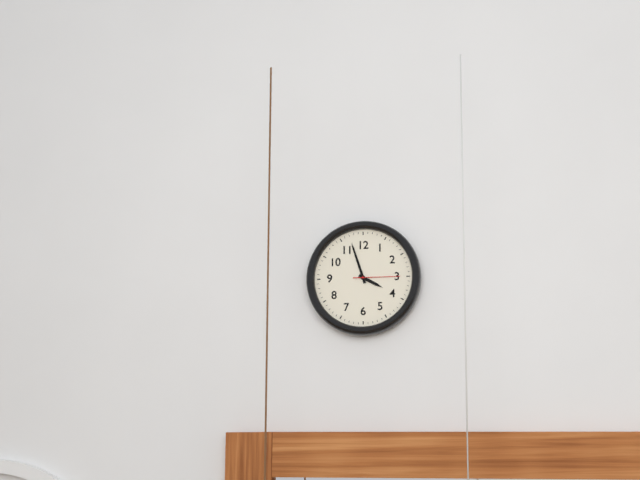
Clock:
{"hour": 3, "minute": 57}
